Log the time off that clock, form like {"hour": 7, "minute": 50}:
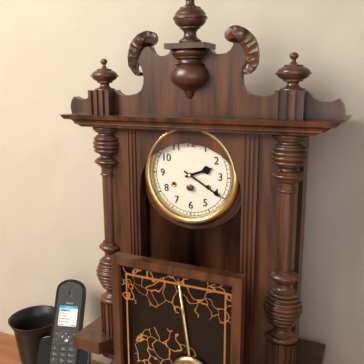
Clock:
{"hour": 2, "minute": 20}
